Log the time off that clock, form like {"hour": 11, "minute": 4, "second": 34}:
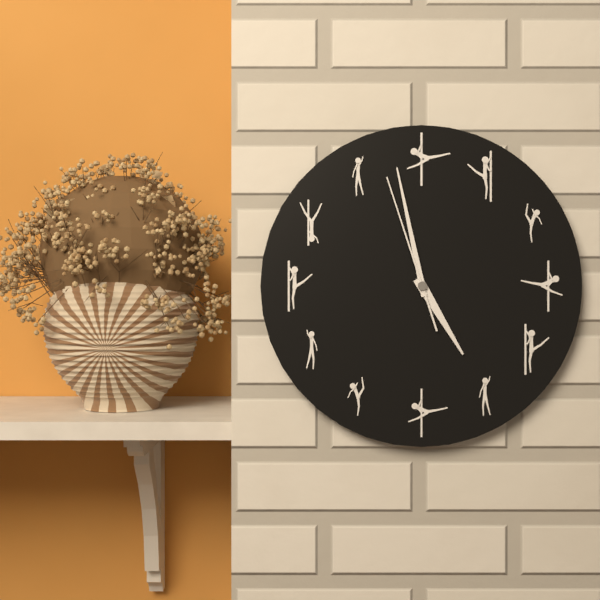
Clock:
{"hour": 4, "minute": 58, "second": 57}
